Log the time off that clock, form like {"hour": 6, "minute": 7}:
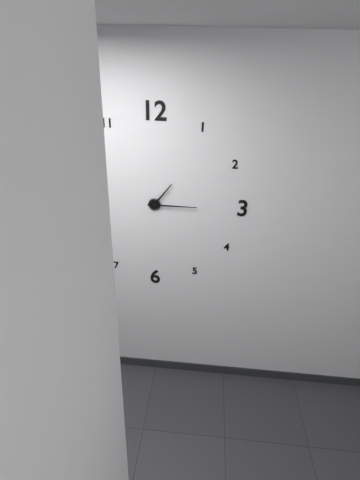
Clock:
{"hour": 1, "minute": 15}
